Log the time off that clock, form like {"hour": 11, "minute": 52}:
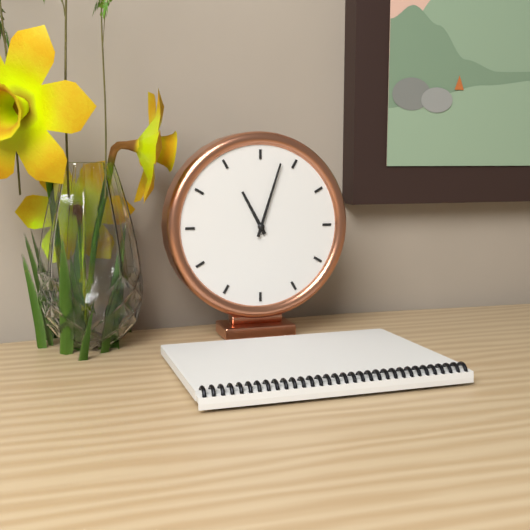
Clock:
{"hour": 11, "minute": 3}
